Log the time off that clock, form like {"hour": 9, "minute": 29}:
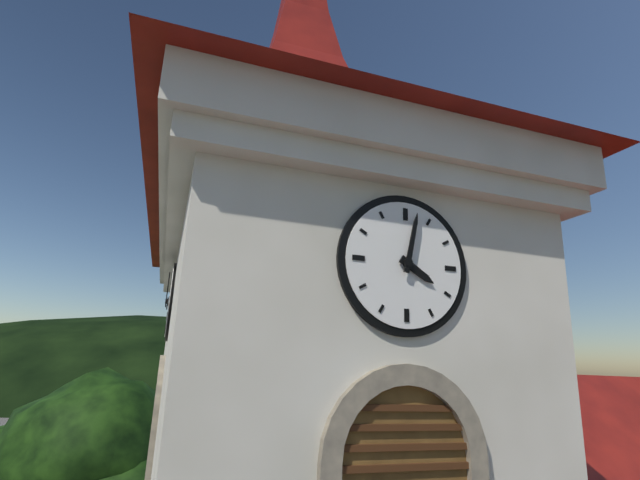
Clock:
{"hour": 4, "minute": 2}
